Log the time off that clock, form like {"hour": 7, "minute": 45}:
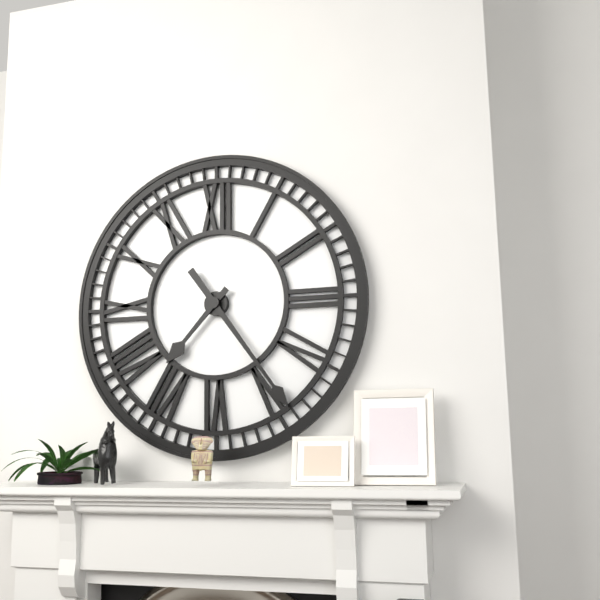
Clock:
{"hour": 7, "minute": 24}
